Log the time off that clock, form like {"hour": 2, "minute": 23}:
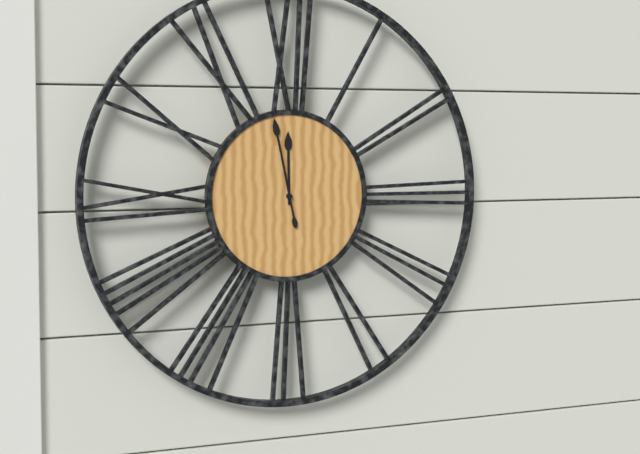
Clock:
{"hour": 11, "minute": 58}
